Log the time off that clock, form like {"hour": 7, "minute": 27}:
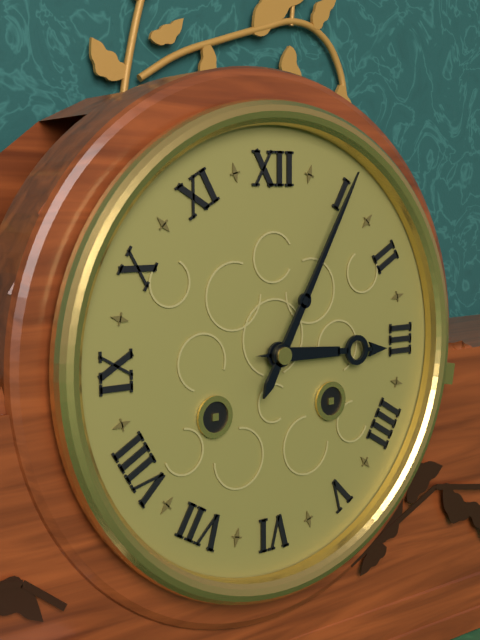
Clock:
{"hour": 3, "minute": 5}
